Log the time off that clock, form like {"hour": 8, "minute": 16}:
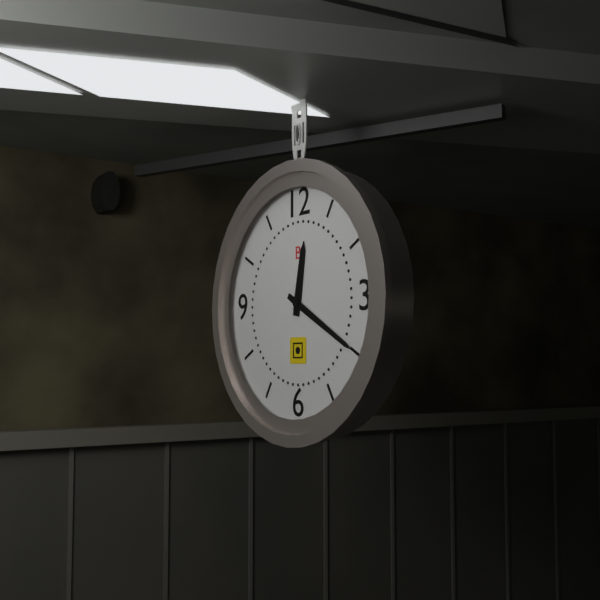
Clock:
{"hour": 12, "minute": 20}
